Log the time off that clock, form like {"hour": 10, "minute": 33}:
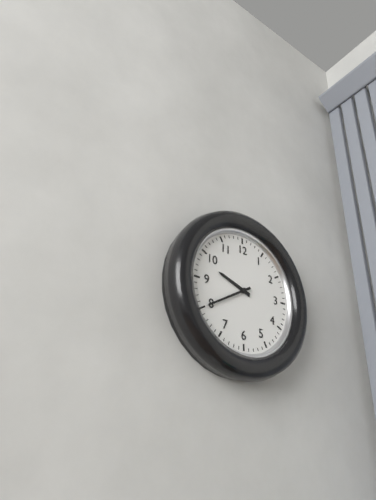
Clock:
{"hour": 9, "minute": 40}
